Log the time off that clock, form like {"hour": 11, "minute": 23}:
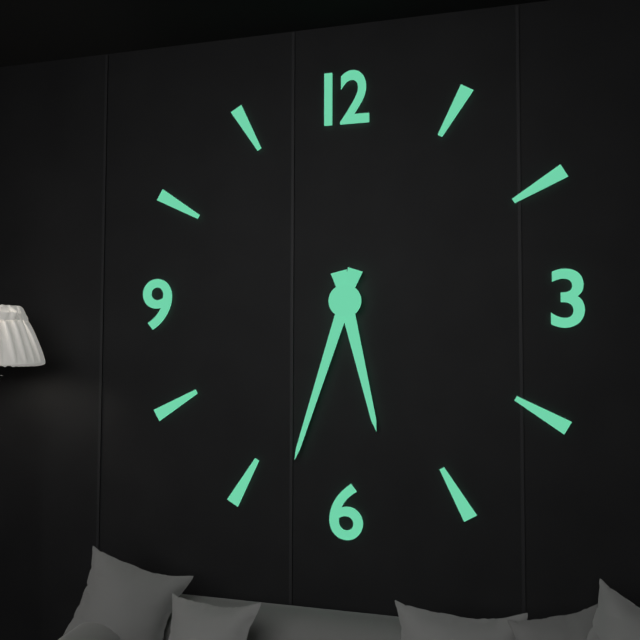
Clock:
{"hour": 5, "minute": 33}
